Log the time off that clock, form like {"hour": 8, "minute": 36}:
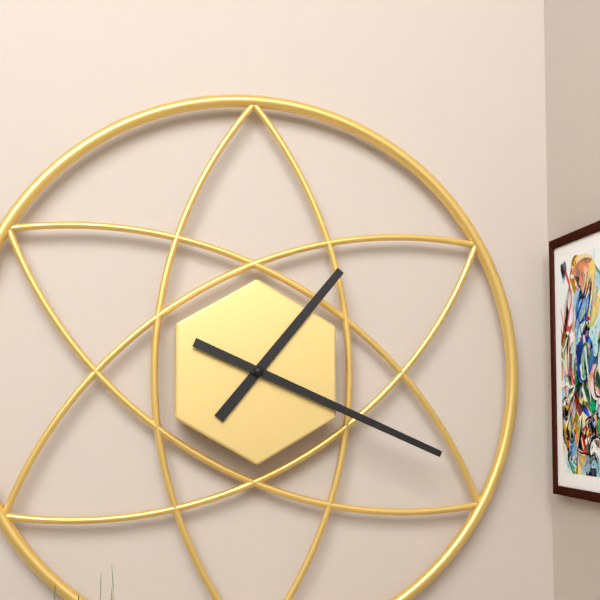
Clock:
{"hour": 1, "minute": 19}
